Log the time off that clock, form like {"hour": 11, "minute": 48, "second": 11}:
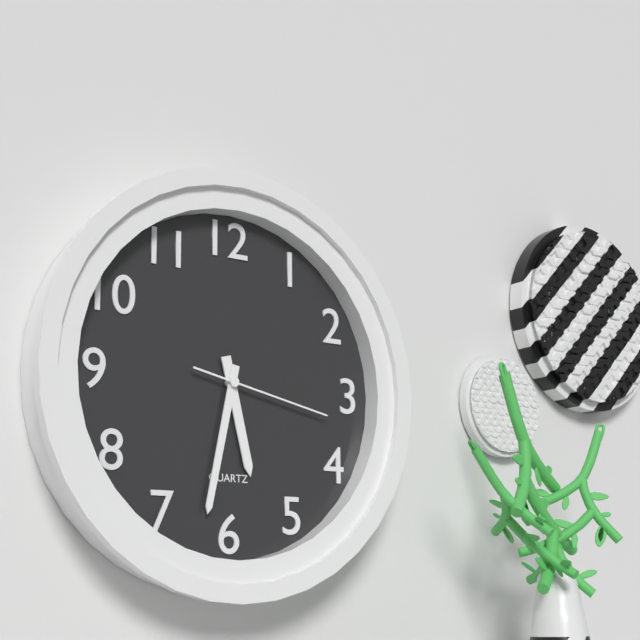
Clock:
{"hour": 5, "minute": 32, "second": 17}
